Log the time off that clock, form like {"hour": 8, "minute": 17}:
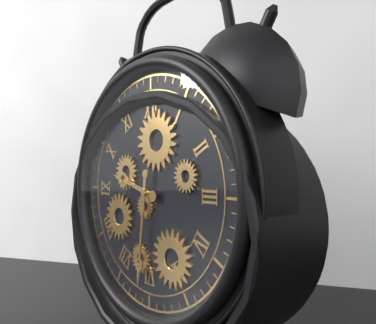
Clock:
{"hour": 9, "minute": 31}
